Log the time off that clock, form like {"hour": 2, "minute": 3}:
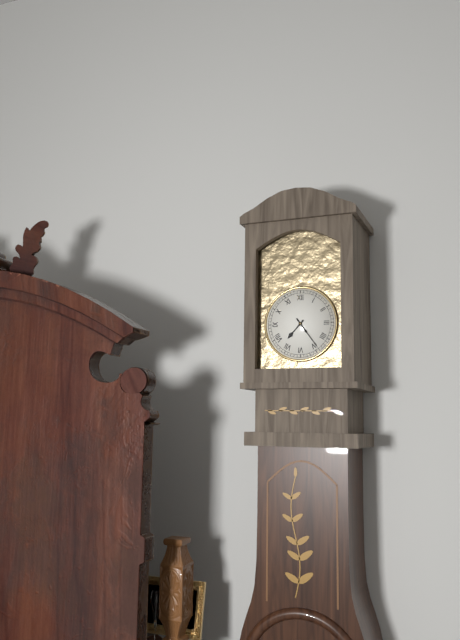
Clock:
{"hour": 7, "minute": 24}
